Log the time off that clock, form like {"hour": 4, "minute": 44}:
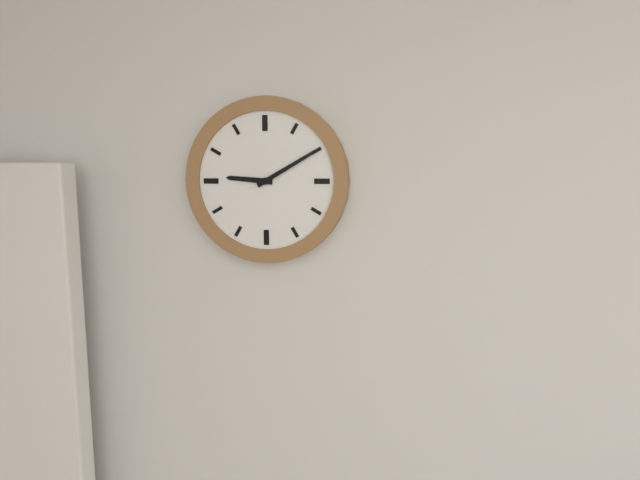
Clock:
{"hour": 9, "minute": 10}
